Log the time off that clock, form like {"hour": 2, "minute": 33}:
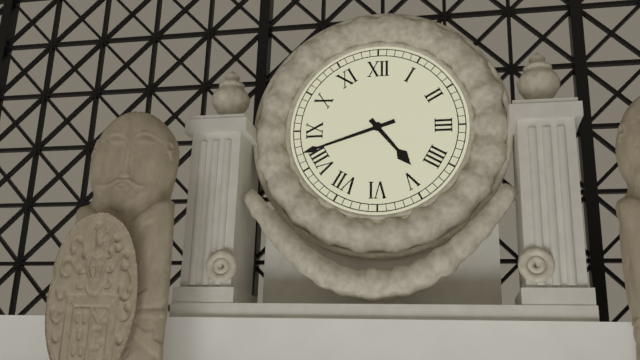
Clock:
{"hour": 4, "minute": 42}
